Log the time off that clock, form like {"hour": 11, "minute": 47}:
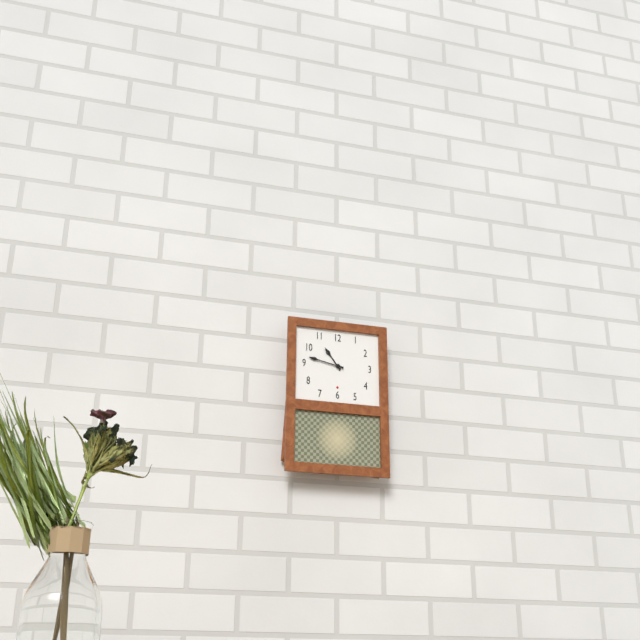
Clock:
{"hour": 10, "minute": 47}
